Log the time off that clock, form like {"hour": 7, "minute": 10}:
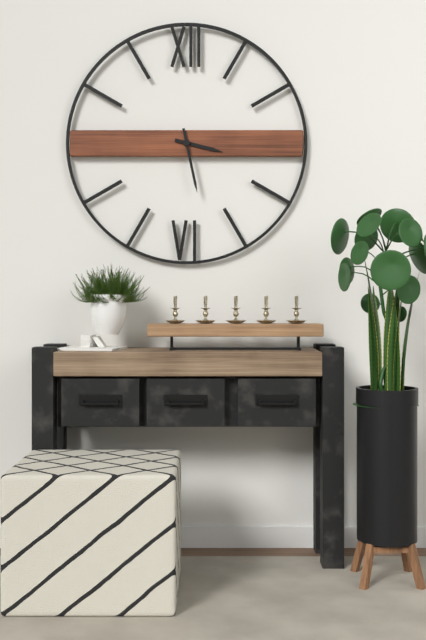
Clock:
{"hour": 3, "minute": 28}
